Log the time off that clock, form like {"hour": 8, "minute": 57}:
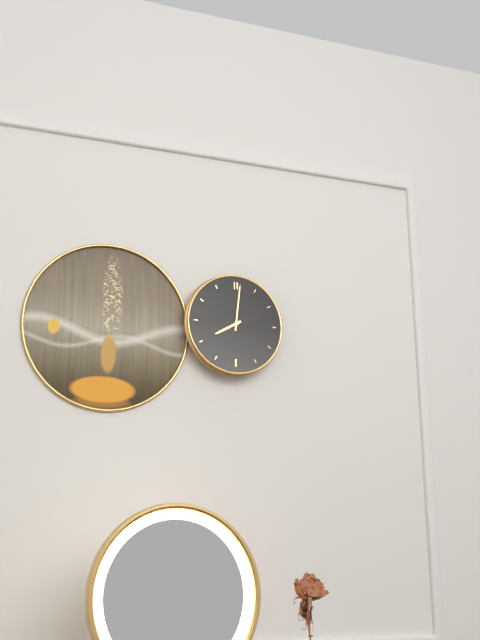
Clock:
{"hour": 8, "minute": 1}
